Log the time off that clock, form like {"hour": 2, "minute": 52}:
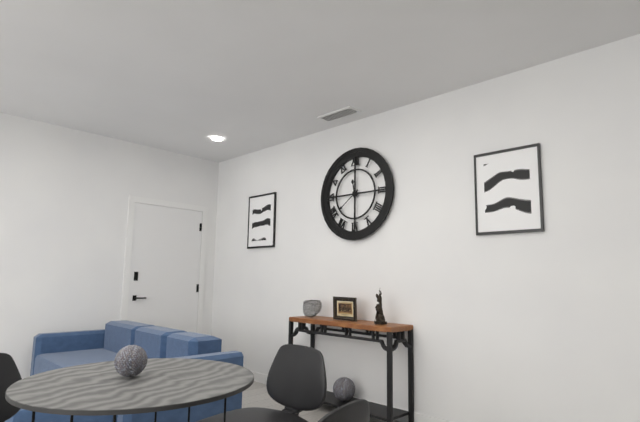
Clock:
{"hour": 11, "minute": 39}
